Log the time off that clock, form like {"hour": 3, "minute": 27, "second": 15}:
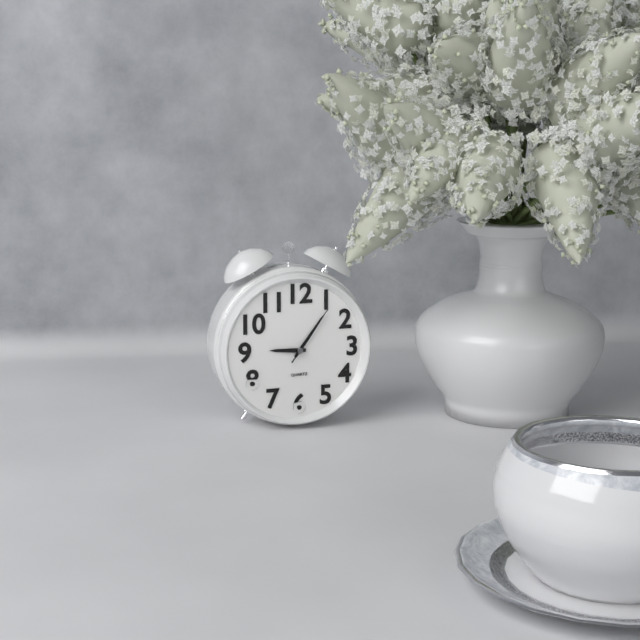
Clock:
{"hour": 9, "minute": 6, "second": 6}
